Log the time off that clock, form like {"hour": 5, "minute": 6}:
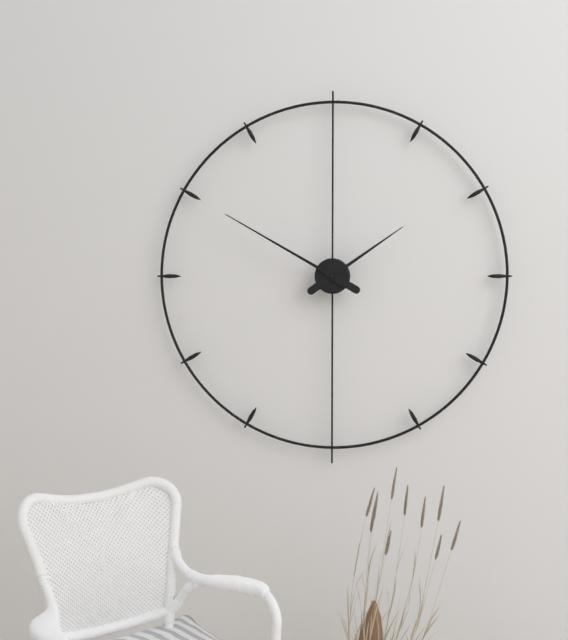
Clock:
{"hour": 1, "minute": 50}
